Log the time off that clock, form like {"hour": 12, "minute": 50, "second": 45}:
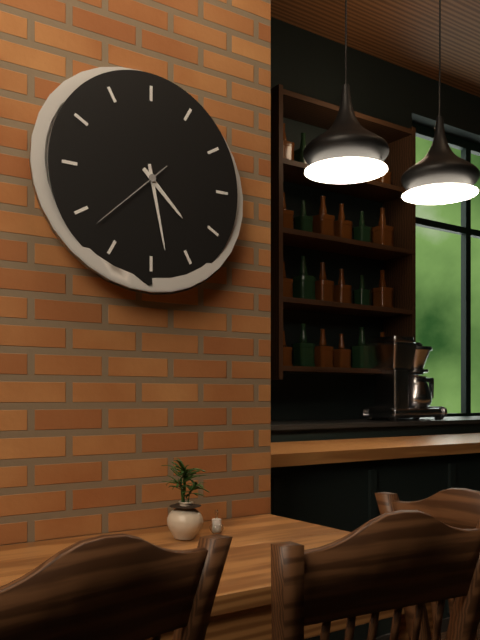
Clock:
{"hour": 4, "minute": 28, "second": 38}
